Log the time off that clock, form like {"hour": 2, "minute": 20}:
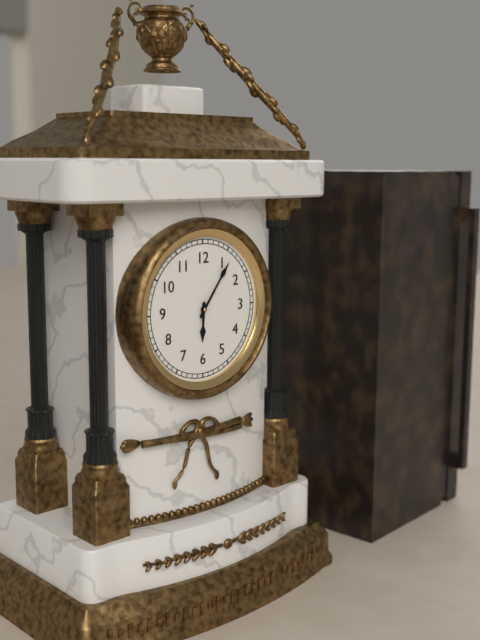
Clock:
{"hour": 6, "minute": 6}
